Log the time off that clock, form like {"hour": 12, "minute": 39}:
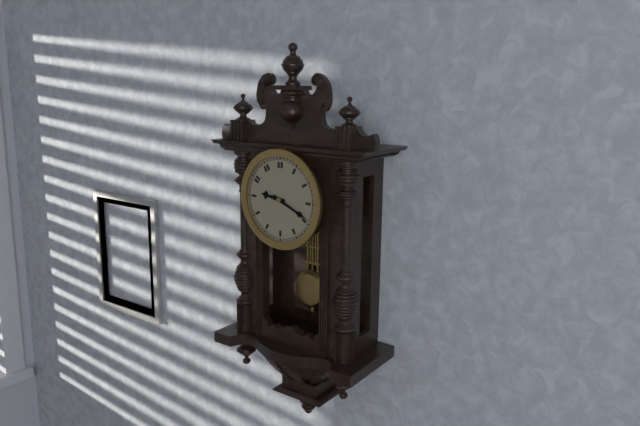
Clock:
{"hour": 9, "minute": 19}
